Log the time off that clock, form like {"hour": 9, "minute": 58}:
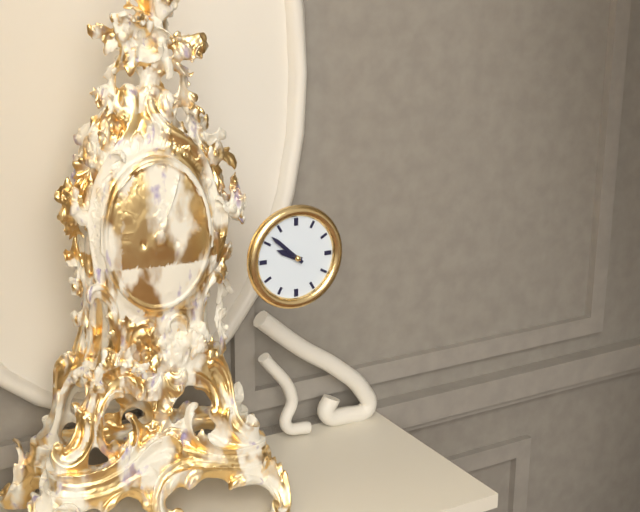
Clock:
{"hour": 9, "minute": 52}
